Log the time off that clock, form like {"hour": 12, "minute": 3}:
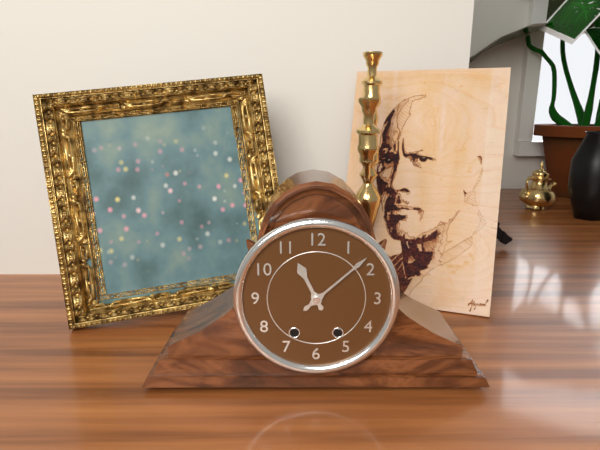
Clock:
{"hour": 11, "minute": 8}
